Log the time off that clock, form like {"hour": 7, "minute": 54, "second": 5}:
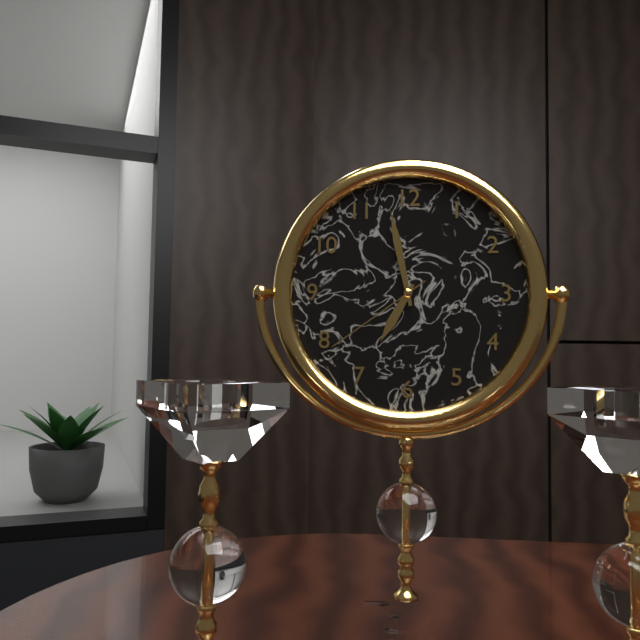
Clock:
{"hour": 6, "minute": 58, "second": 39}
